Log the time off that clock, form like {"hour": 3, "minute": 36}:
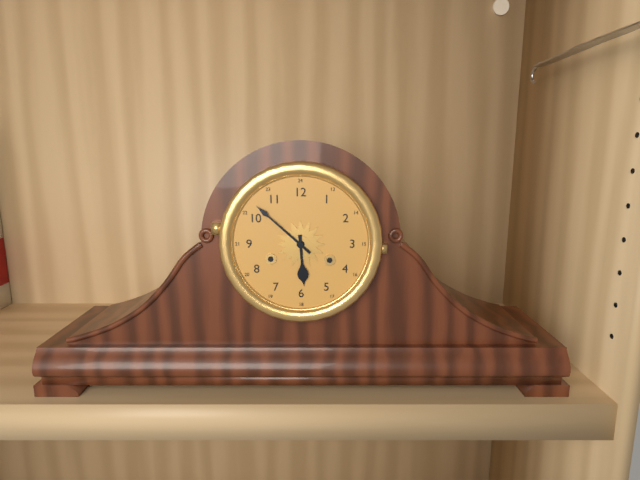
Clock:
{"hour": 5, "minute": 52}
